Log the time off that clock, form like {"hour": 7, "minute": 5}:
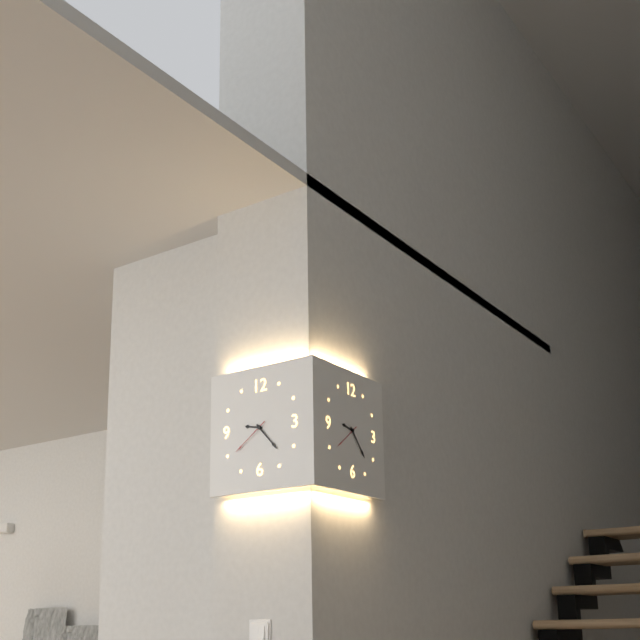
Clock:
{"hour": 9, "minute": 23}
